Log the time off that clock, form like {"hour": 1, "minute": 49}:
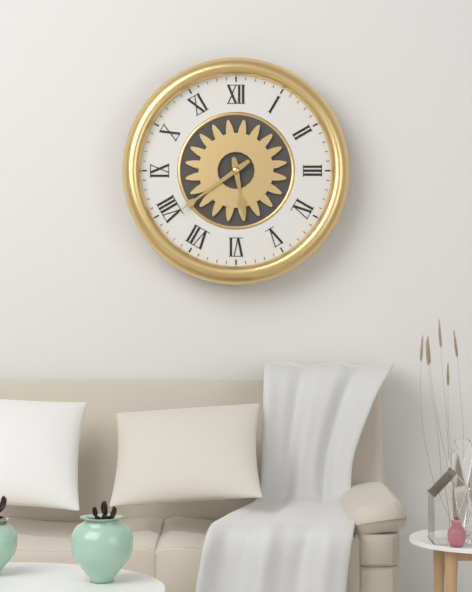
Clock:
{"hour": 5, "minute": 39}
